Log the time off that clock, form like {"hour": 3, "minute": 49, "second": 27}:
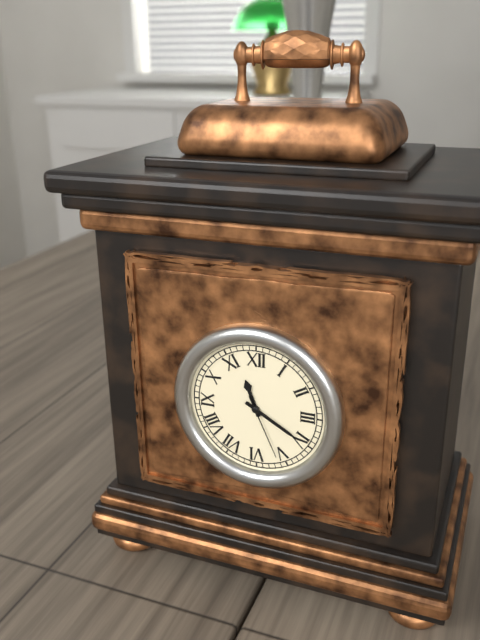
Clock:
{"hour": 11, "minute": 20, "second": 26}
